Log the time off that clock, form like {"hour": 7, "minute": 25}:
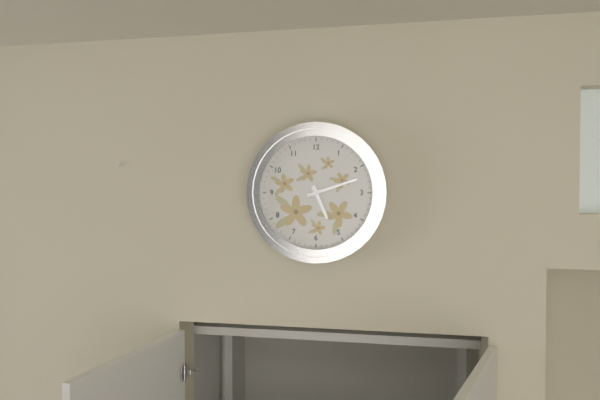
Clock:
{"hour": 5, "minute": 12}
